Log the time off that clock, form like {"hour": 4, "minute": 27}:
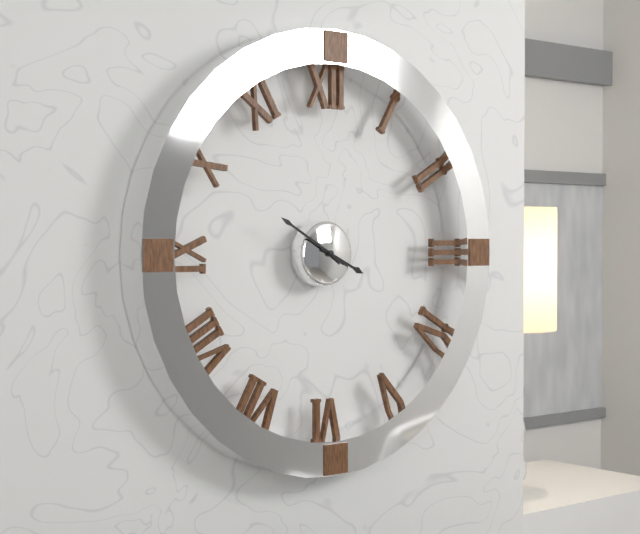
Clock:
{"hour": 3, "minute": 50}
